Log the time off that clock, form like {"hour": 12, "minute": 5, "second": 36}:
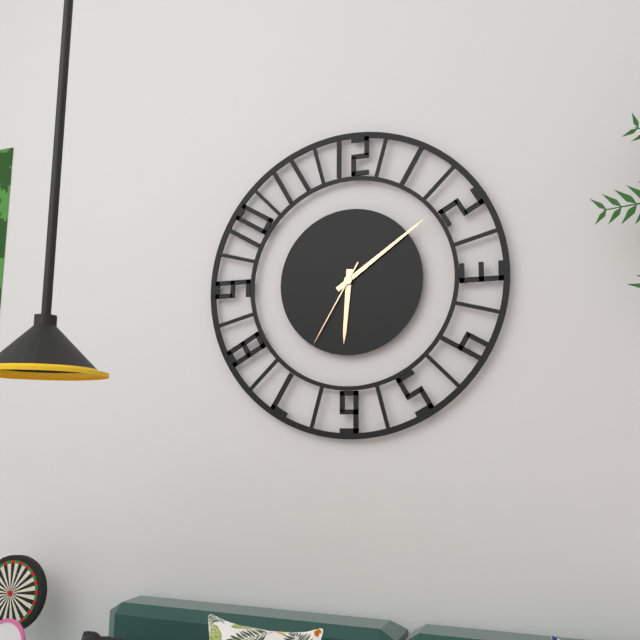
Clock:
{"hour": 6, "minute": 9, "second": 35}
